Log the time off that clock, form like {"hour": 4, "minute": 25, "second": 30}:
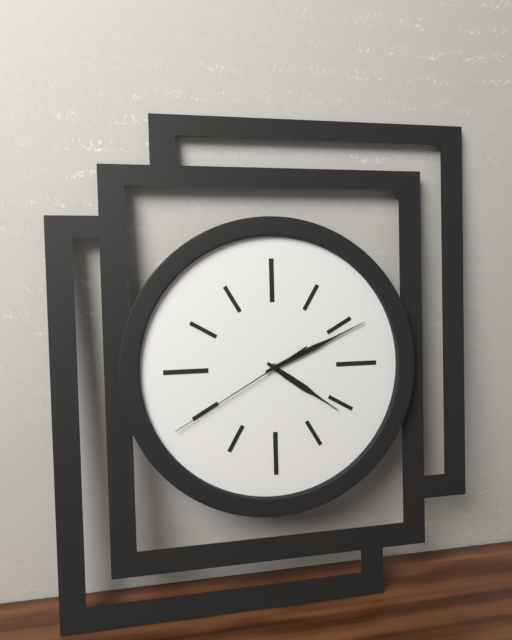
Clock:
{"hour": 4, "minute": 11, "second": 40}
